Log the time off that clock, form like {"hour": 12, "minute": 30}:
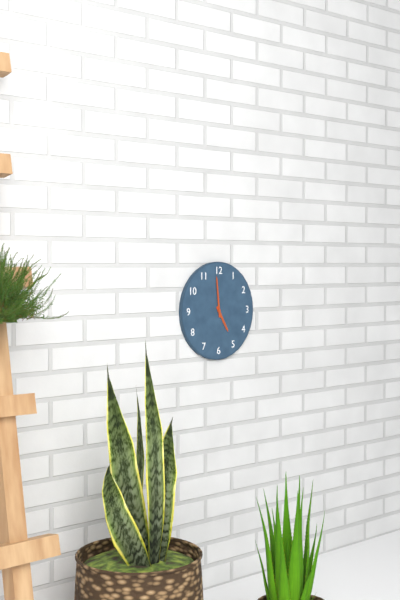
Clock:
{"hour": 4, "minute": 59}
